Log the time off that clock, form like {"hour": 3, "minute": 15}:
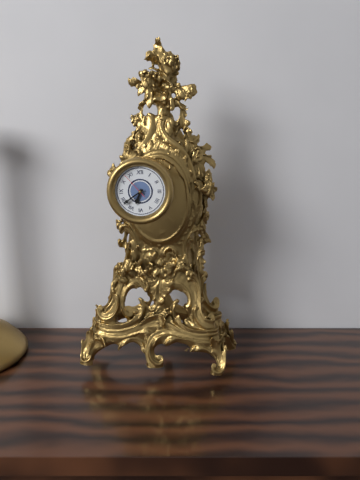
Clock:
{"hour": 6, "minute": 39}
